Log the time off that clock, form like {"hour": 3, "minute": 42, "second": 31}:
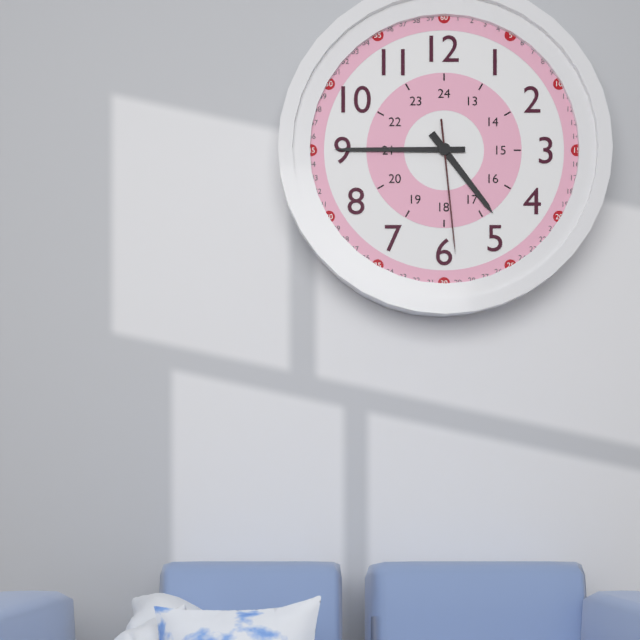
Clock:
{"hour": 4, "minute": 45, "second": 29}
